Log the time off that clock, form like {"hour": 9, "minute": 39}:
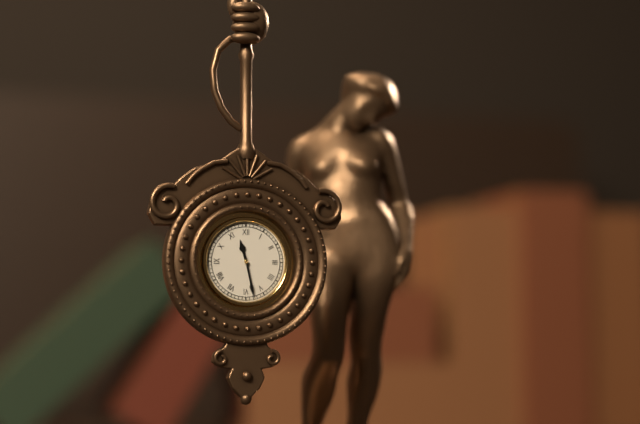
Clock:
{"hour": 11, "minute": 28}
